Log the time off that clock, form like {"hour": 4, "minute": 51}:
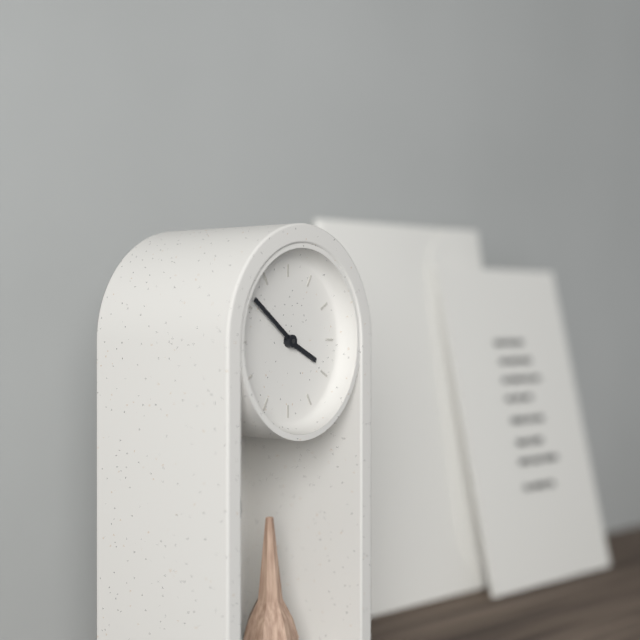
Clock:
{"hour": 3, "minute": 51}
